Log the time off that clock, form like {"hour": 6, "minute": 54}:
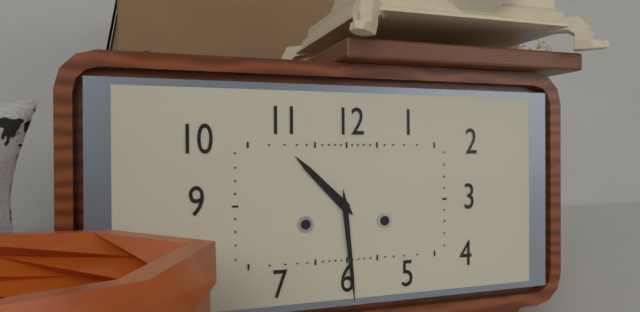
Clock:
{"hour": 10, "minute": 29}
